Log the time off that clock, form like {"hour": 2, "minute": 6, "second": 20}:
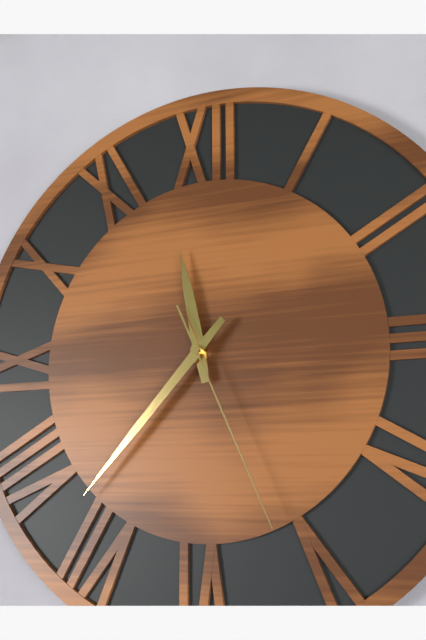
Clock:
{"hour": 11, "minute": 37, "second": 26}
